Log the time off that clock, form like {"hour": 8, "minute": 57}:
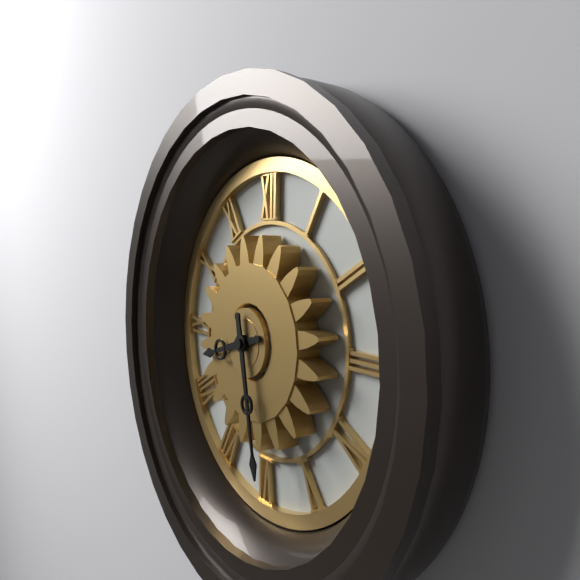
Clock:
{"hour": 8, "minute": 28}
